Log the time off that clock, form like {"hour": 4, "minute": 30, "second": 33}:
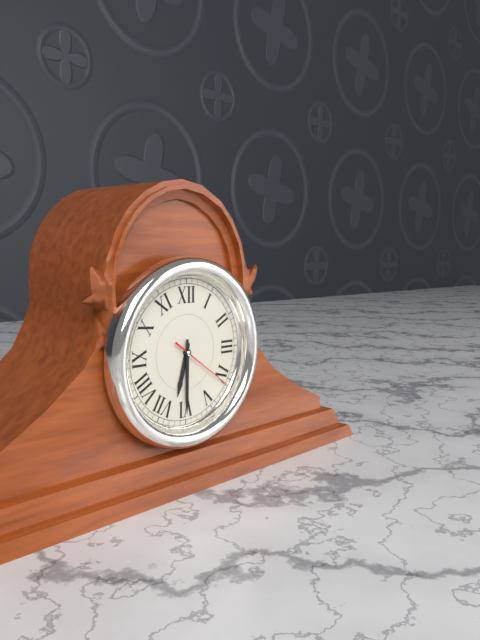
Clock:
{"hour": 6, "minute": 30, "second": 21}
